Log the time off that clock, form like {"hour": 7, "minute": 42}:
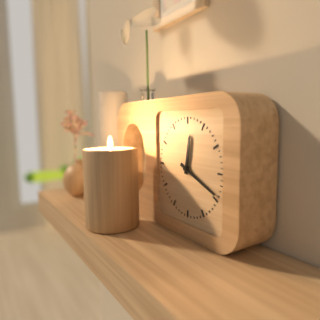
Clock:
{"hour": 12, "minute": 19}
